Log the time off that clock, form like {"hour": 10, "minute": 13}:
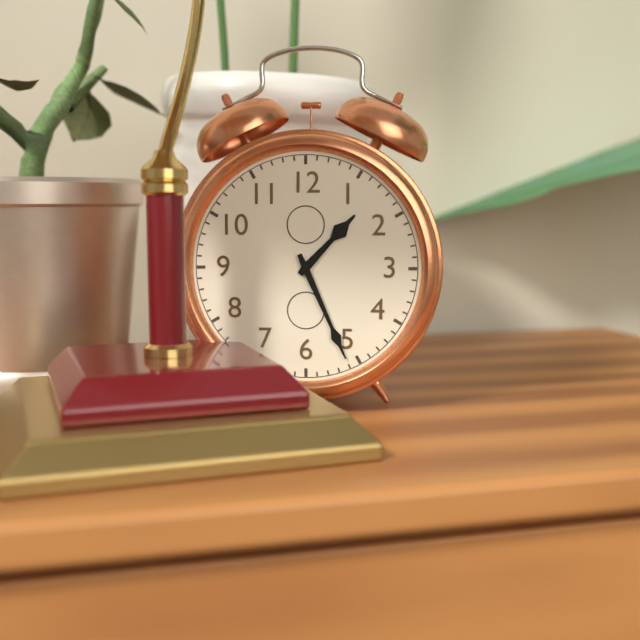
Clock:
{"hour": 1, "minute": 26}
